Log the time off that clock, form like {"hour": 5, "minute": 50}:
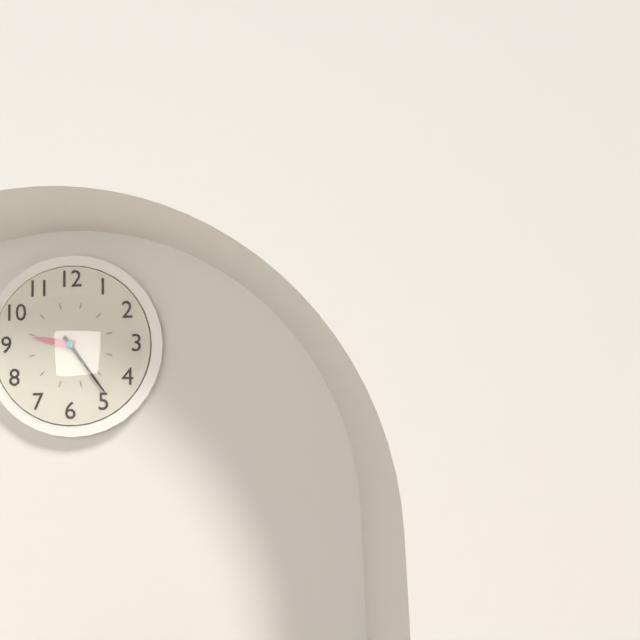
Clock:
{"hour": 9, "minute": 24}
